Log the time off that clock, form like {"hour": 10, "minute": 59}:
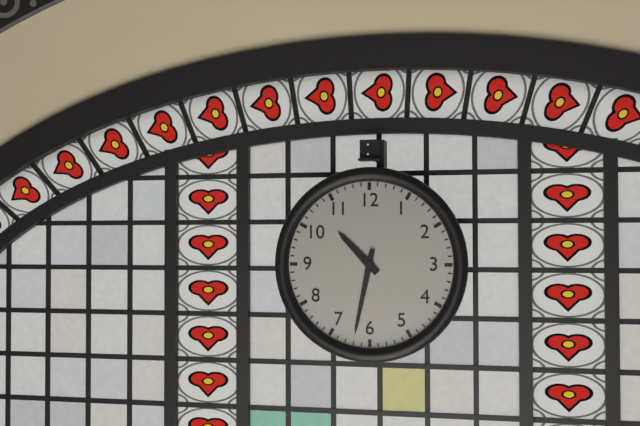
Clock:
{"hour": 10, "minute": 32}
